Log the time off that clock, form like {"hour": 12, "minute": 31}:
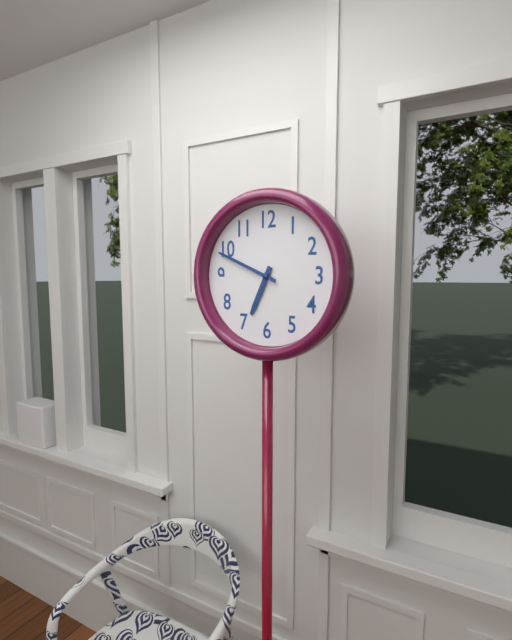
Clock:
{"hour": 6, "minute": 49}
